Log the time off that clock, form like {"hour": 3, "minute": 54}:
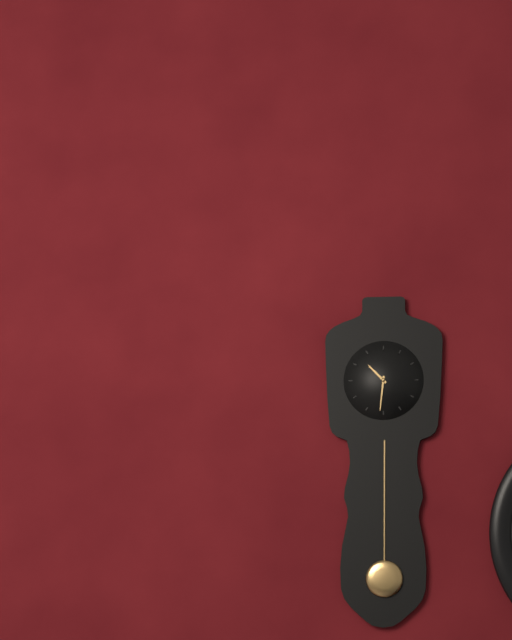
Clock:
{"hour": 10, "minute": 31}
